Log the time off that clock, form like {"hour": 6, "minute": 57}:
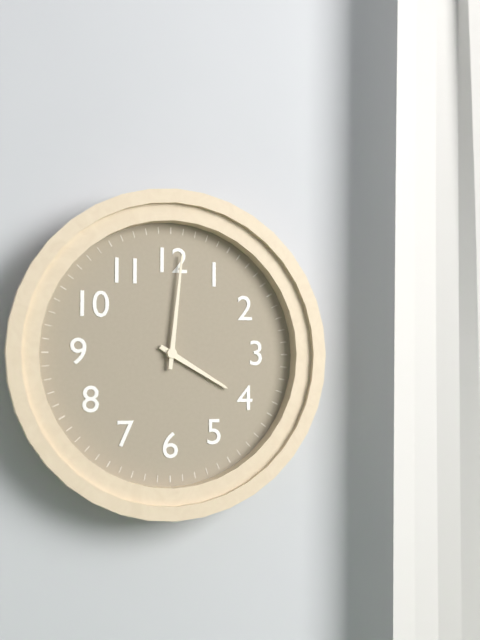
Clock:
{"hour": 4, "minute": 1}
